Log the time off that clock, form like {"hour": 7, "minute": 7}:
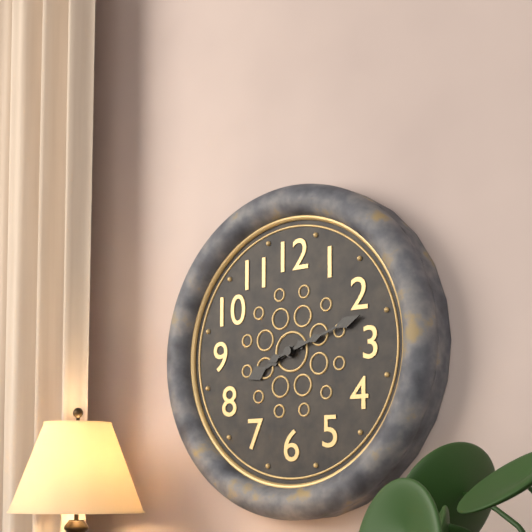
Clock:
{"hour": 8, "minute": 12}
